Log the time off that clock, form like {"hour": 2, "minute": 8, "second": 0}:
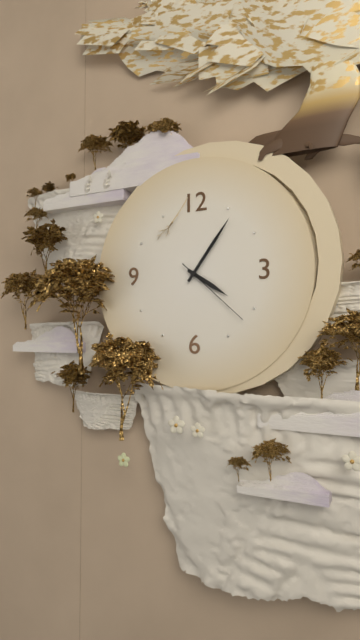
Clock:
{"hour": 4, "minute": 6, "second": 22}
